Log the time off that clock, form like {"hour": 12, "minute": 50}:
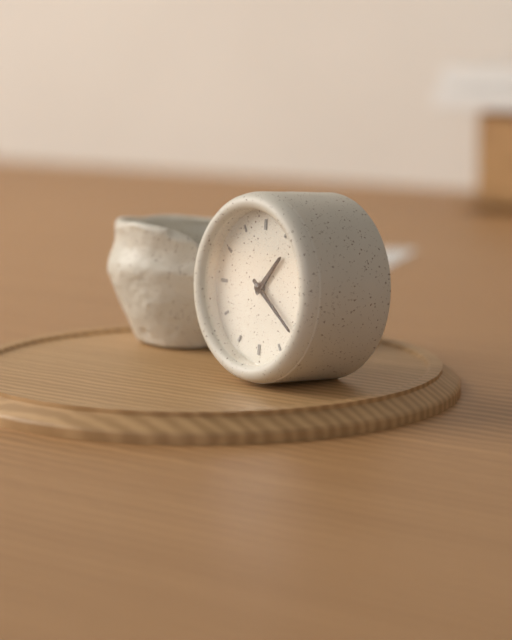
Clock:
{"hour": 1, "minute": 21}
